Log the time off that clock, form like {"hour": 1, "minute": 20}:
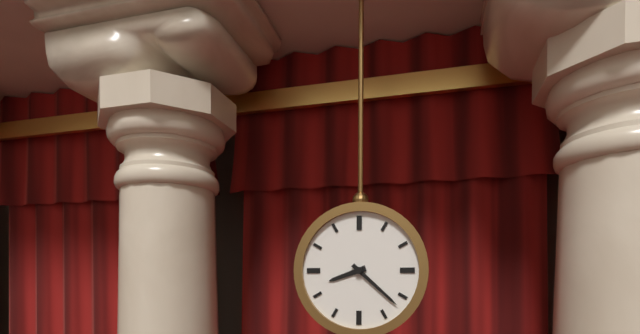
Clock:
{"hour": 8, "minute": 22}
